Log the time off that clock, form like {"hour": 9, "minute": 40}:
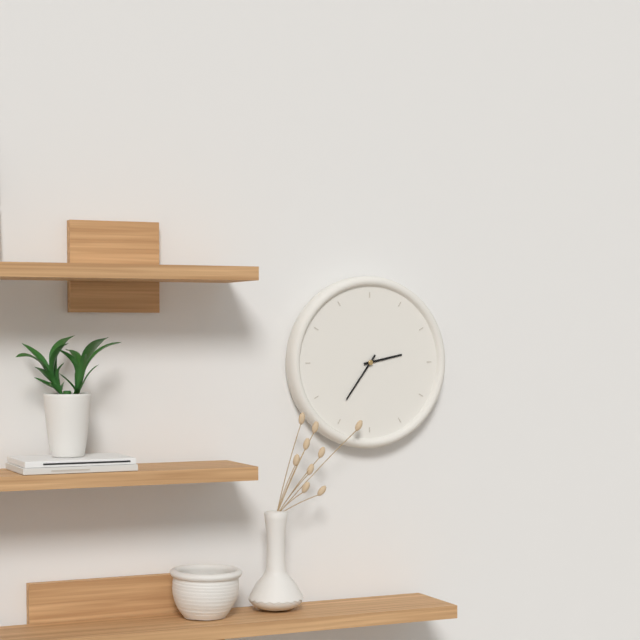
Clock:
{"hour": 2, "minute": 36}
